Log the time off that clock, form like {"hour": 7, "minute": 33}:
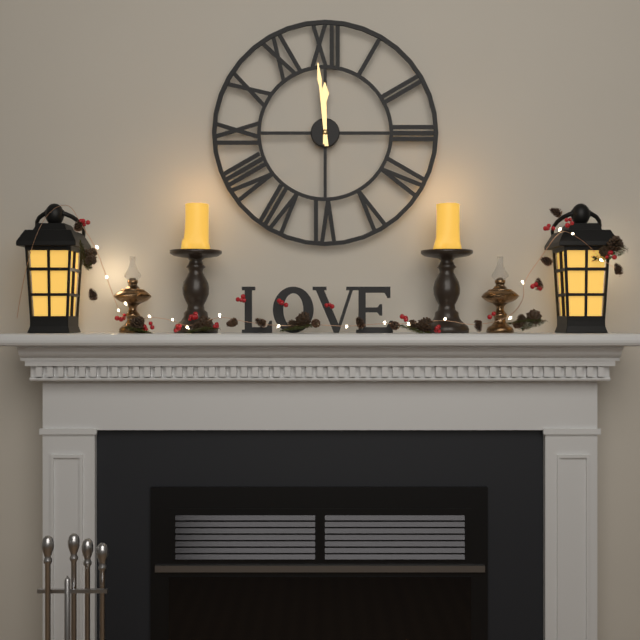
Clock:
{"hour": 11, "minute": 59}
